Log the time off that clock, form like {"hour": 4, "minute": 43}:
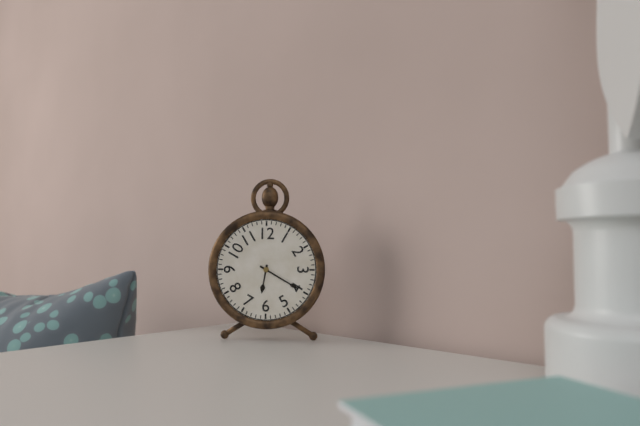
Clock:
{"hour": 6, "minute": 20}
